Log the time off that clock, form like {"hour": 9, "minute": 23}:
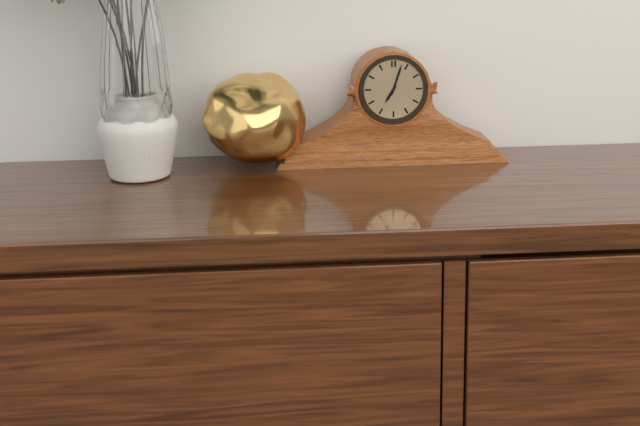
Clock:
{"hour": 7, "minute": 3}
